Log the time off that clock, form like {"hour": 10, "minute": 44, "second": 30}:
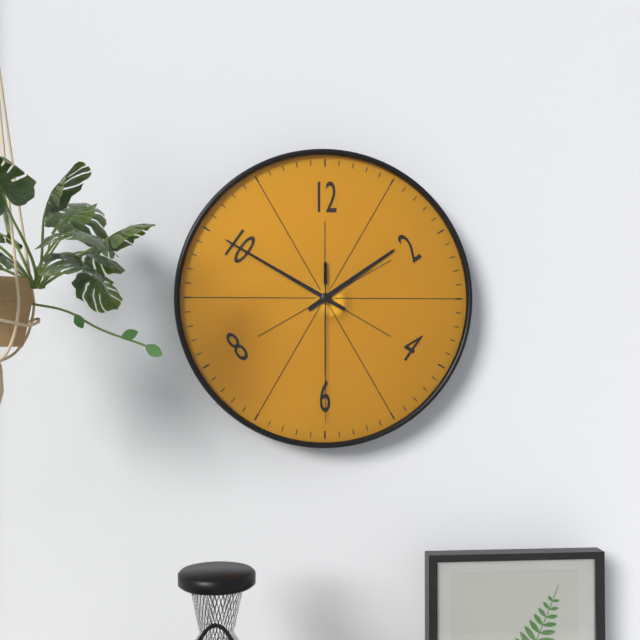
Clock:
{"hour": 1, "minute": 50, "second": 30}
